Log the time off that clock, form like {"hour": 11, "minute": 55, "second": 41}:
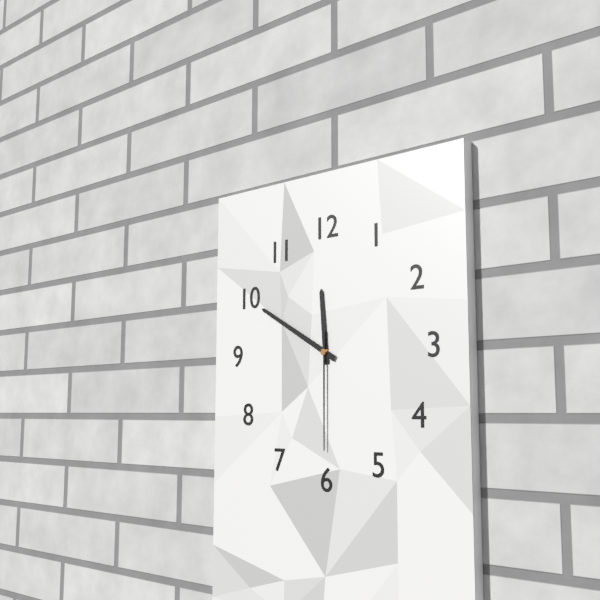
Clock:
{"hour": 11, "minute": 50, "second": 30}
